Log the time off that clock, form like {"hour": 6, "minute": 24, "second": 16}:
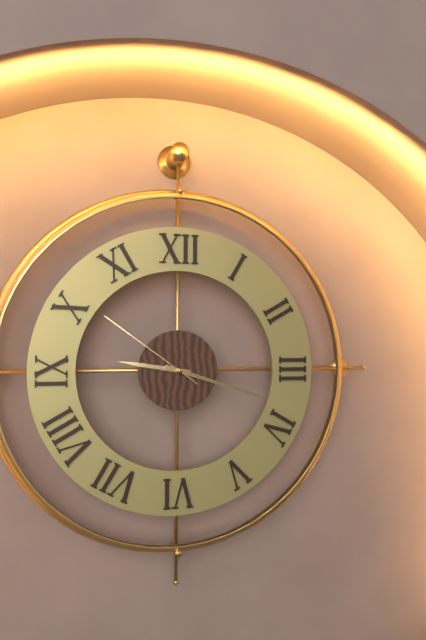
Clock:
{"hour": 9, "minute": 18, "second": 51}
